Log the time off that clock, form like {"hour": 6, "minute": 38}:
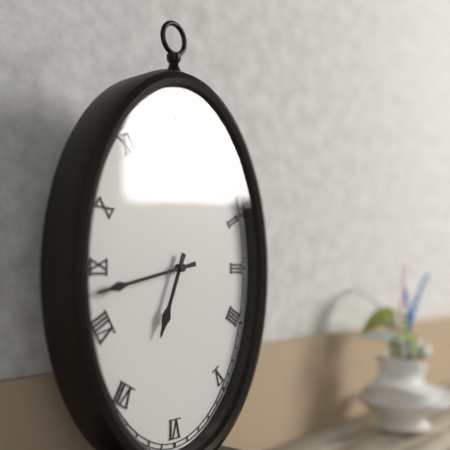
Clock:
{"hour": 6, "minute": 43}
